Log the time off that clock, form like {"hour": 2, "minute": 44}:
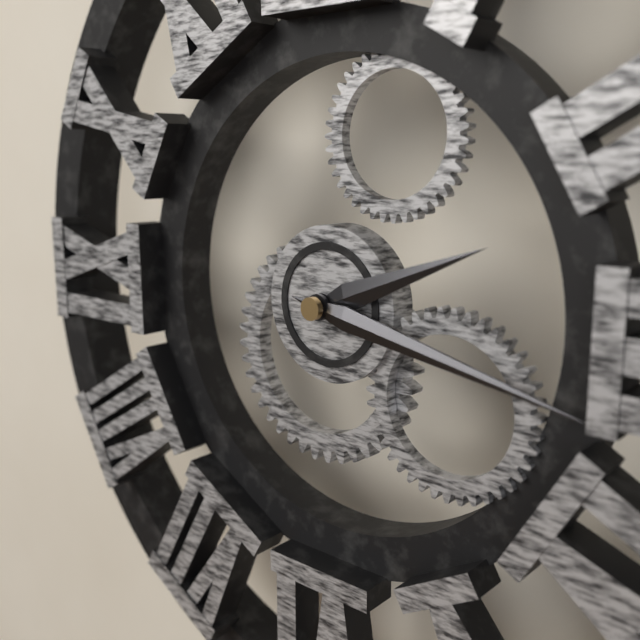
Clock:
{"hour": 2, "minute": 17}
